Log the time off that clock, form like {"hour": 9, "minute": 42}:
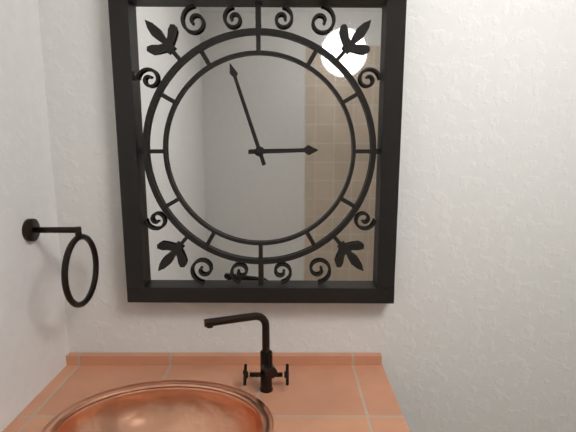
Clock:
{"hour": 2, "minute": 57}
